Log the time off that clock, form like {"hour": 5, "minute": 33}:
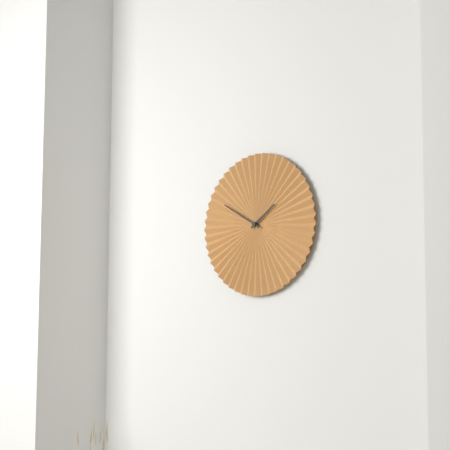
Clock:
{"hour": 1, "minute": 50}
